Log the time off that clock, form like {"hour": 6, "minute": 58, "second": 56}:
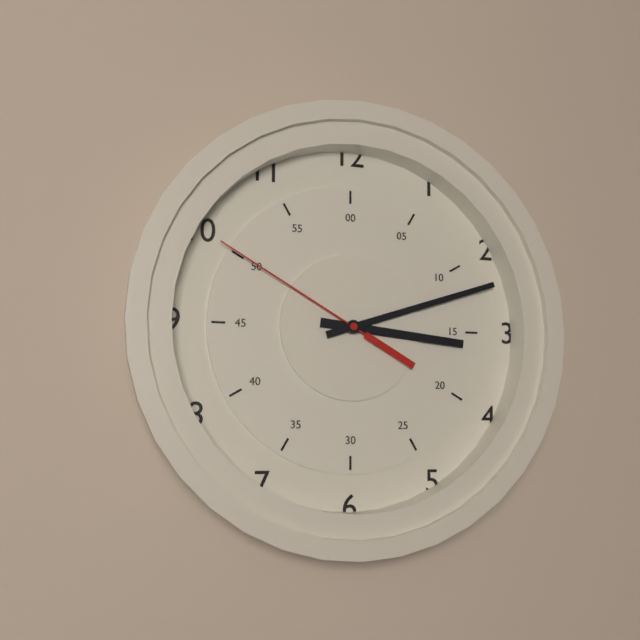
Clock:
{"hour": 3, "minute": 12, "second": 50}
